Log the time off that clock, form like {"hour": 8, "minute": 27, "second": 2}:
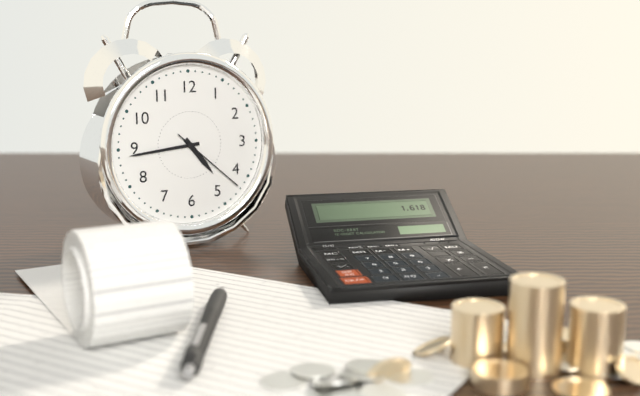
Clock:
{"hour": 4, "minute": 44, "second": 22}
